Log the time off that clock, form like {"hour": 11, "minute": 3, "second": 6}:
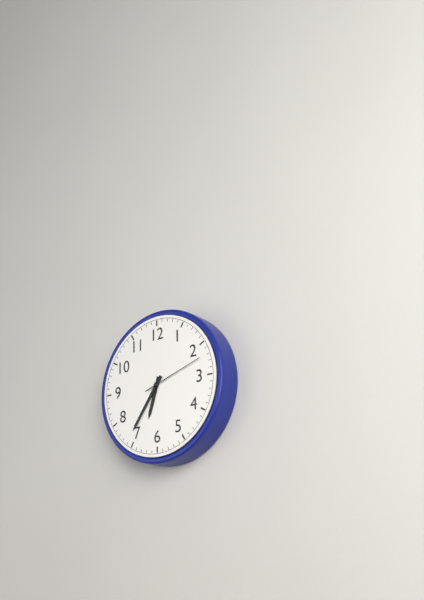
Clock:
{"hour": 6, "minute": 36, "second": 12}
